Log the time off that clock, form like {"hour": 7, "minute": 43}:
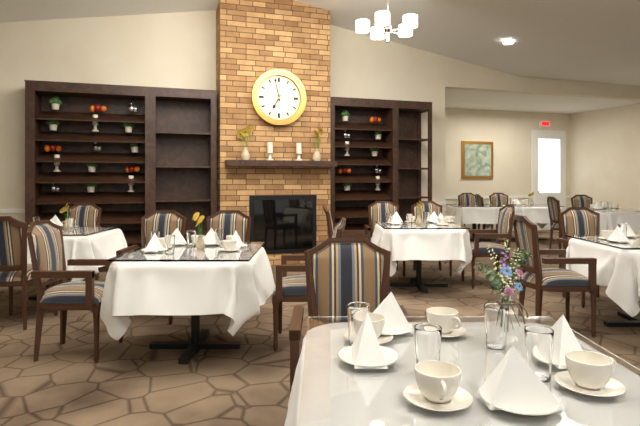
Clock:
{"hour": 6, "minute": 58}
